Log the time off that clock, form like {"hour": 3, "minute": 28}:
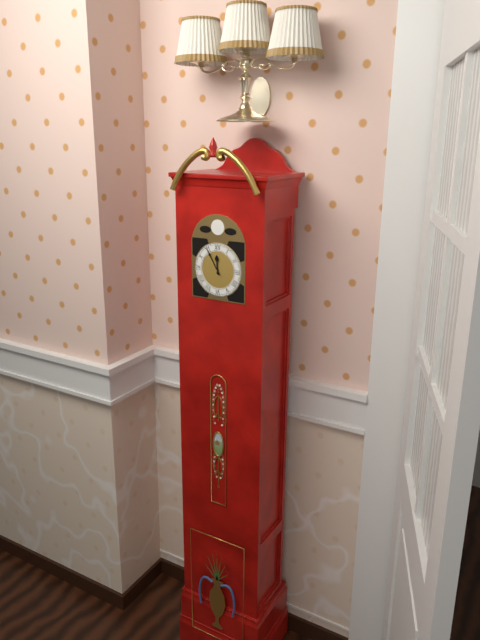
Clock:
{"hour": 11, "minute": 55}
